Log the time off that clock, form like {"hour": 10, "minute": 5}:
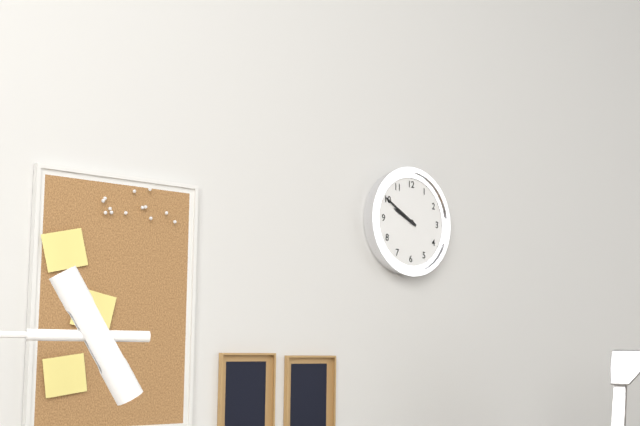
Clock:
{"hour": 9, "minute": 50}
